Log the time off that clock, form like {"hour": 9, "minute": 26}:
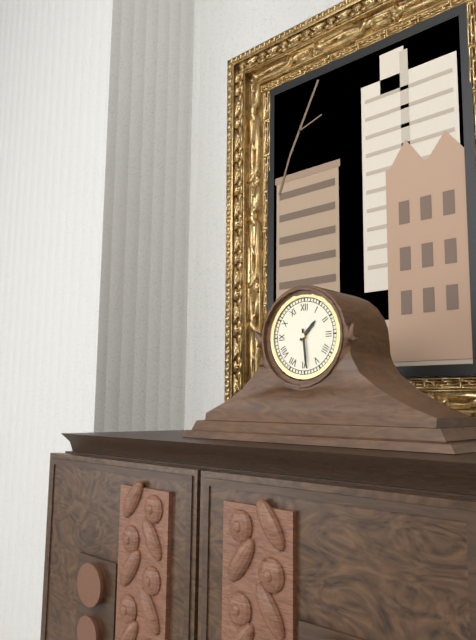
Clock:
{"hour": 1, "minute": 29}
